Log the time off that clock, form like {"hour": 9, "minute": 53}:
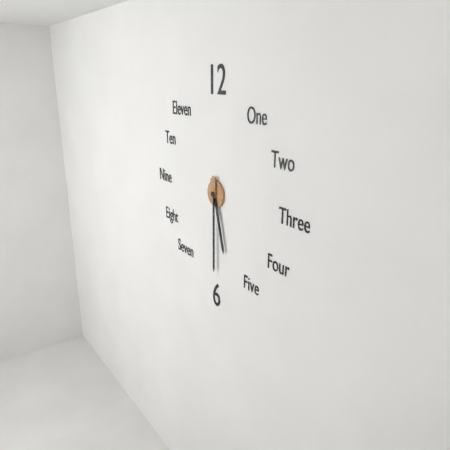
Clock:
{"hour": 5, "minute": 30}
